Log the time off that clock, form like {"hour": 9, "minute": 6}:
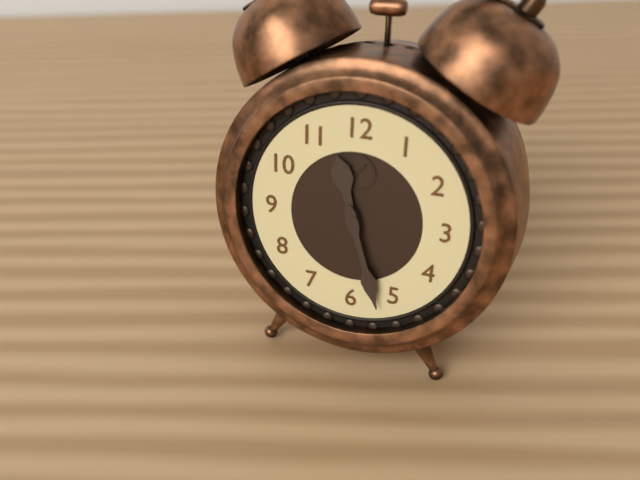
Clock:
{"hour": 11, "minute": 27}
